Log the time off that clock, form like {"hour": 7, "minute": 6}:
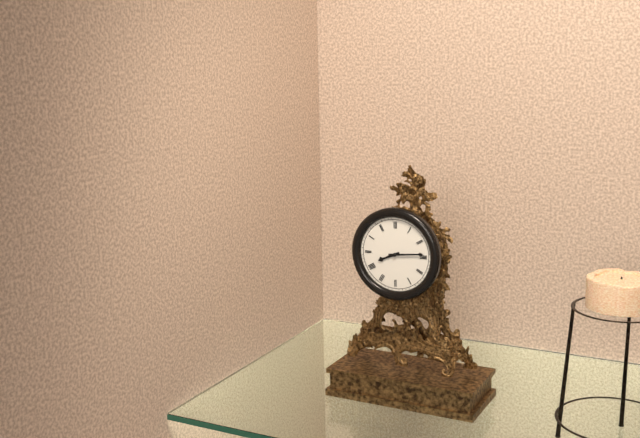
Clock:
{"hour": 8, "minute": 14}
